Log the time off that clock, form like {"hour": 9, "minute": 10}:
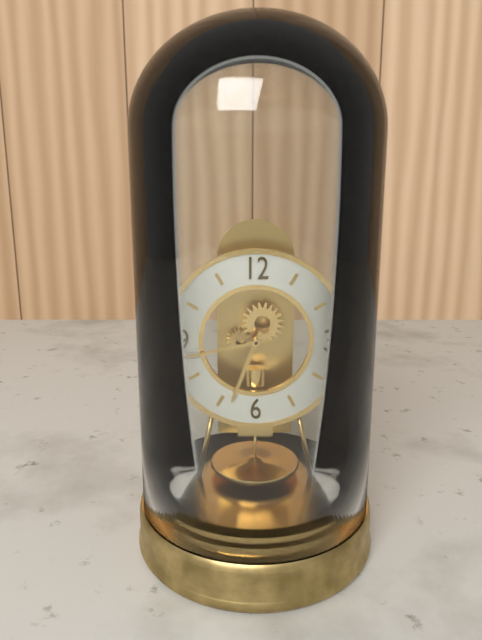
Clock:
{"hour": 6, "minute": 43}
